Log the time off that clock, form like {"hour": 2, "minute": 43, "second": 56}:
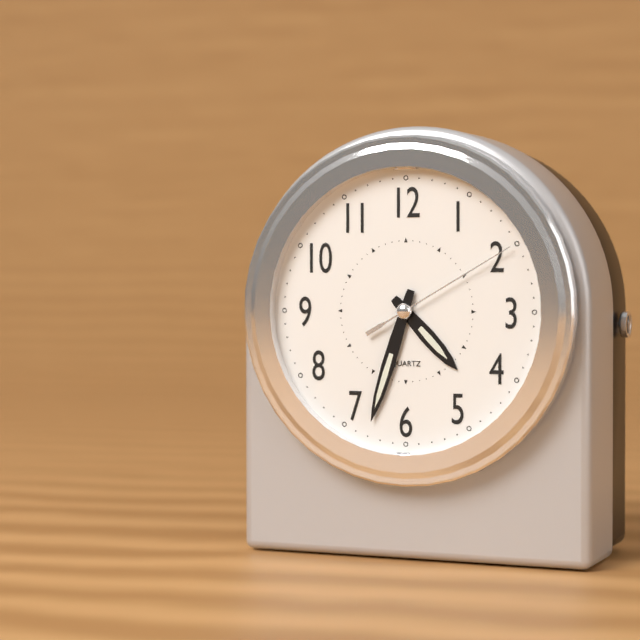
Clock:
{"hour": 4, "minute": 33, "second": 10}
